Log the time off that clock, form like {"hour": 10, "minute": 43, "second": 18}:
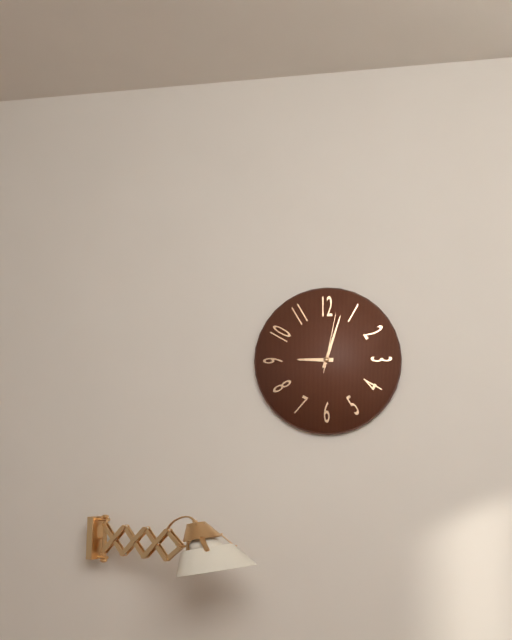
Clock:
{"hour": 9, "minute": 3, "second": 2}
